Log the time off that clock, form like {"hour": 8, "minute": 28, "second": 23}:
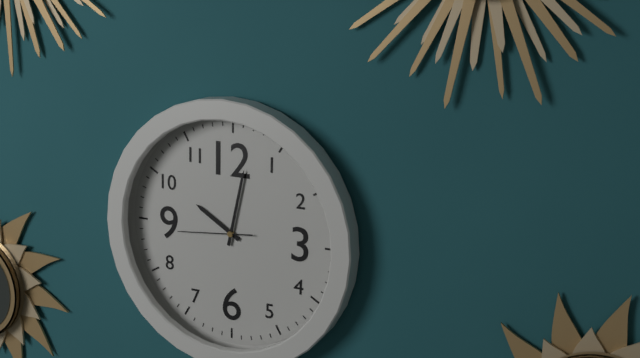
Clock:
{"hour": 10, "minute": 2, "second": 44}
